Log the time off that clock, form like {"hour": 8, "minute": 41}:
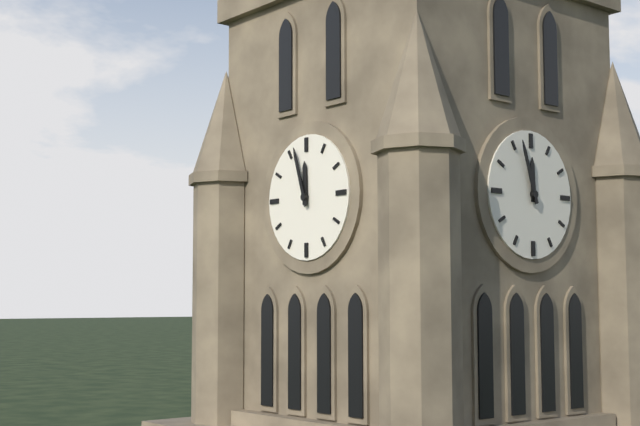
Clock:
{"hour": 11, "minute": 57}
